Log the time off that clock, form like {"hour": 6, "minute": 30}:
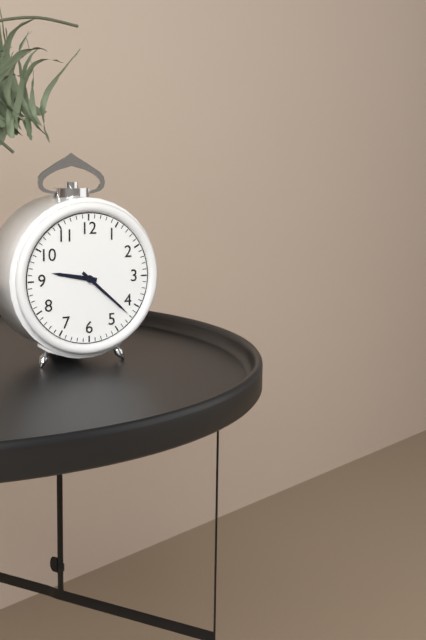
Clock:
{"hour": 9, "minute": 22}
